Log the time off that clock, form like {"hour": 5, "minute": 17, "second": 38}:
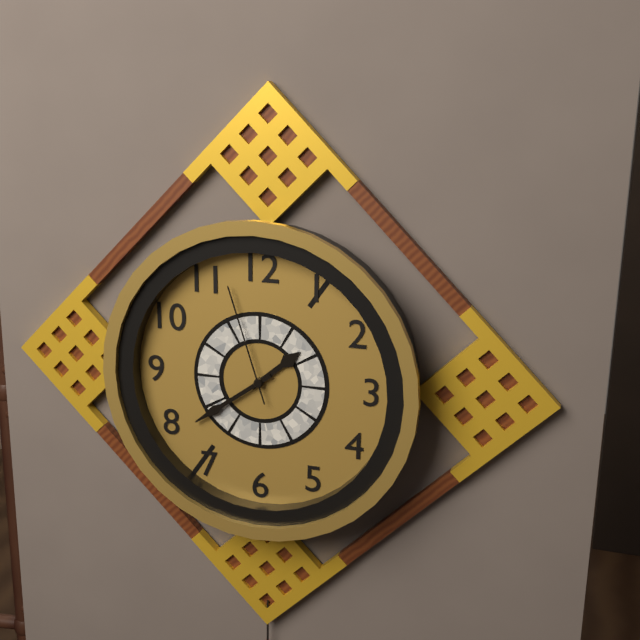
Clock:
{"hour": 1, "minute": 39, "second": 57}
